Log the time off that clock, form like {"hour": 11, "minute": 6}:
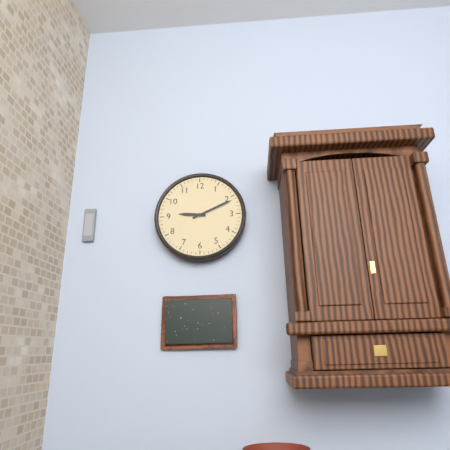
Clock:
{"hour": 9, "minute": 11}
